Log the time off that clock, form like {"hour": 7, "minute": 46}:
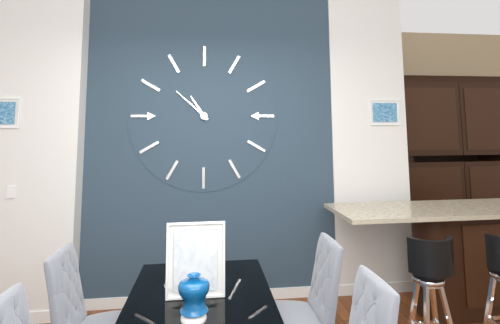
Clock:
{"hour": 10, "minute": 52}
